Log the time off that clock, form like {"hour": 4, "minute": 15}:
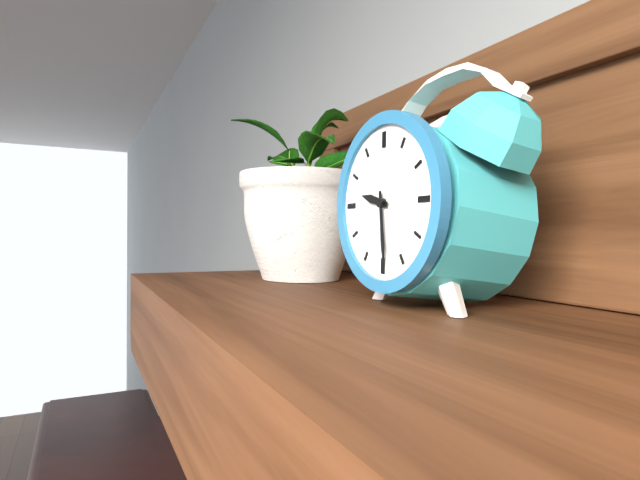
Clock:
{"hour": 9, "minute": 29}
